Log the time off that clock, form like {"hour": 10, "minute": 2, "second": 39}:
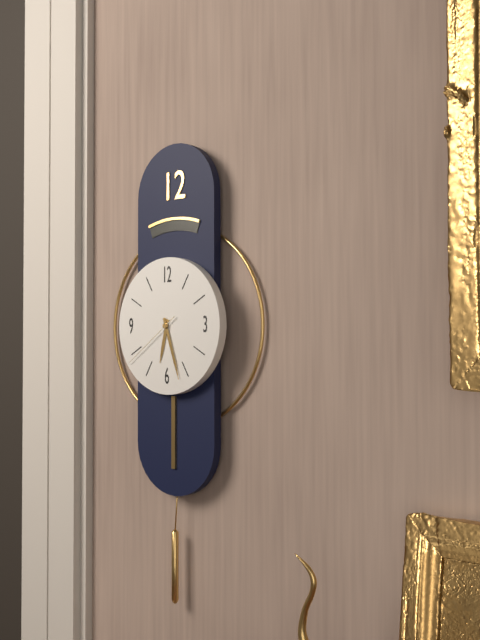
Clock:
{"hour": 6, "minute": 27, "second": 39}
